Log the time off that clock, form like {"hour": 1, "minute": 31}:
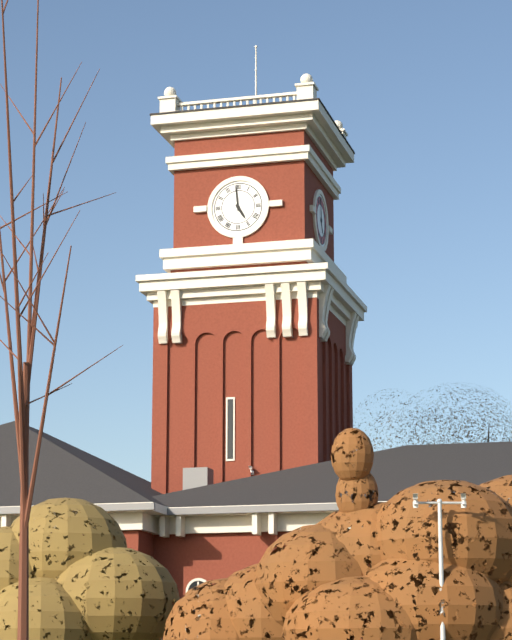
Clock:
{"hour": 4, "minute": 59}
